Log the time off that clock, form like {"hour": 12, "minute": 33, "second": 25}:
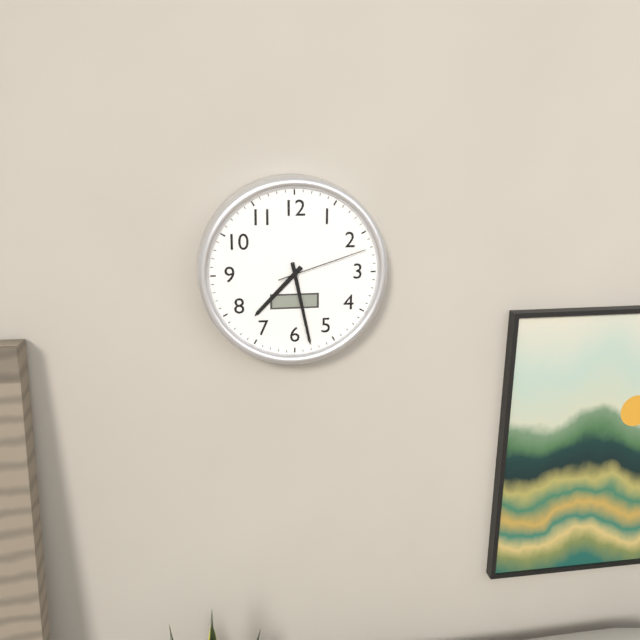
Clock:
{"hour": 7, "minute": 28, "second": 12}
